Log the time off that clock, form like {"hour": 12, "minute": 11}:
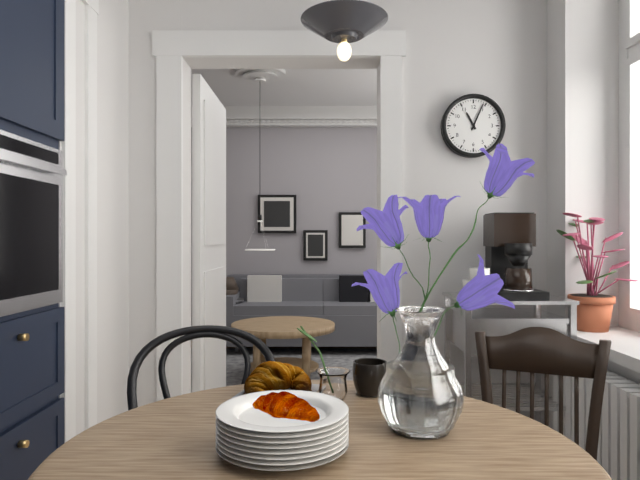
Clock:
{"hour": 11, "minute": 4}
